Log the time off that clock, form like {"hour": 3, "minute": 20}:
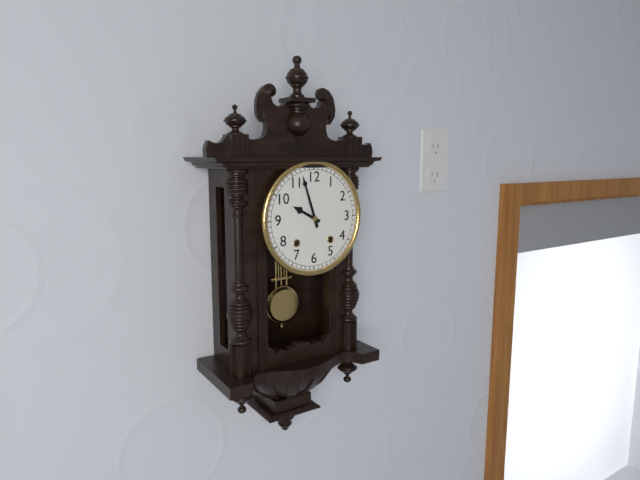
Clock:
{"hour": 9, "minute": 57}
